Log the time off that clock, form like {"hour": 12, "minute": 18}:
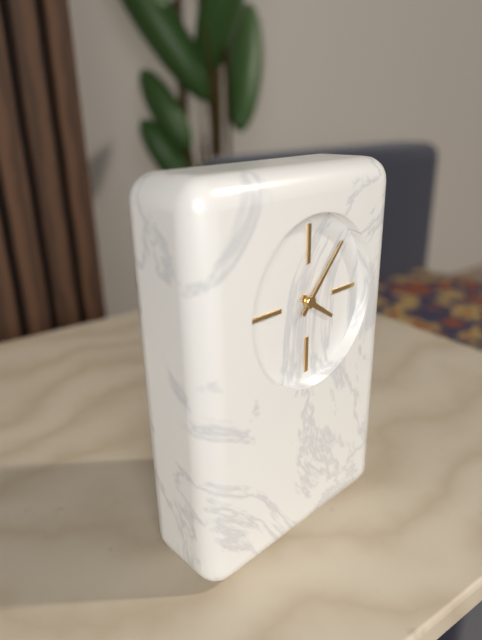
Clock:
{"hour": 4, "minute": 7}
